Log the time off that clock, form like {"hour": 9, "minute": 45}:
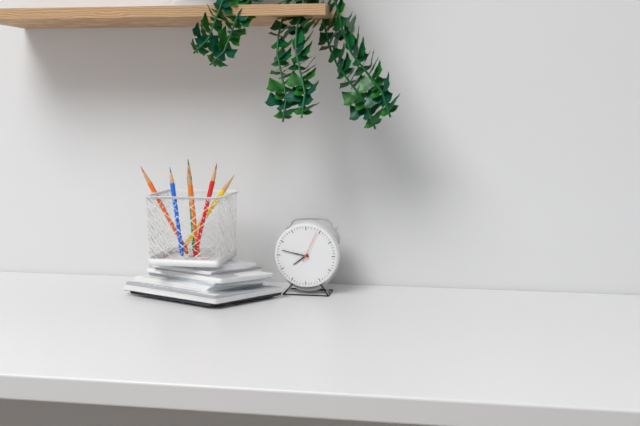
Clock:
{"hour": 7, "minute": 47}
